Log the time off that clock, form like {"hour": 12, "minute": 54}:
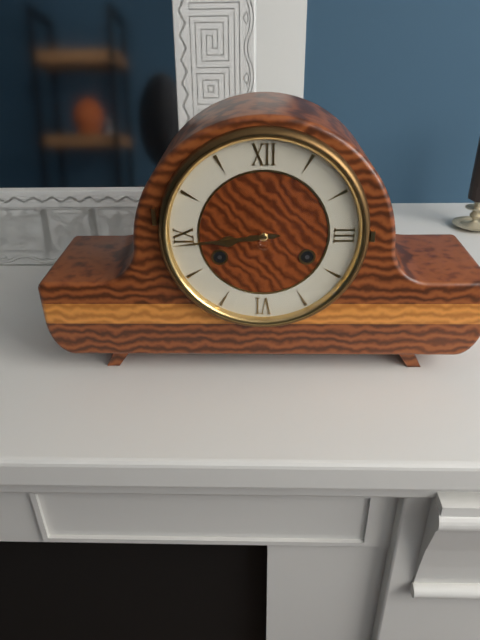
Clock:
{"hour": 8, "minute": 44}
